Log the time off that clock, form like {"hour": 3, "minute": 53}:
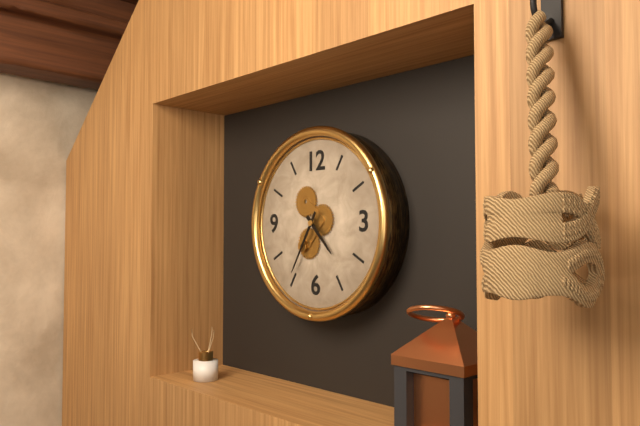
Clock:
{"hour": 4, "minute": 35}
